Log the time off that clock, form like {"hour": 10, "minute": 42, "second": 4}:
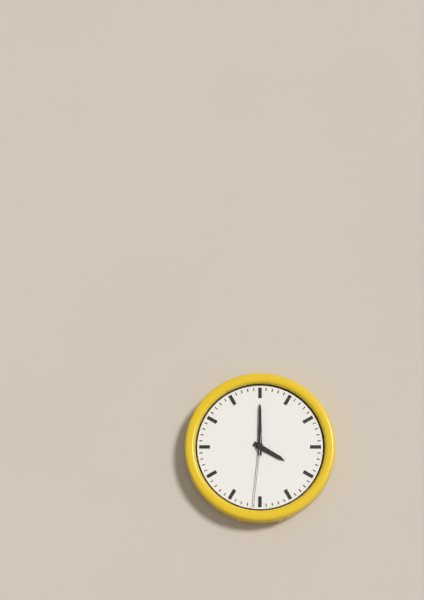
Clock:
{"hour": 4, "minute": 0, "second": 31}
